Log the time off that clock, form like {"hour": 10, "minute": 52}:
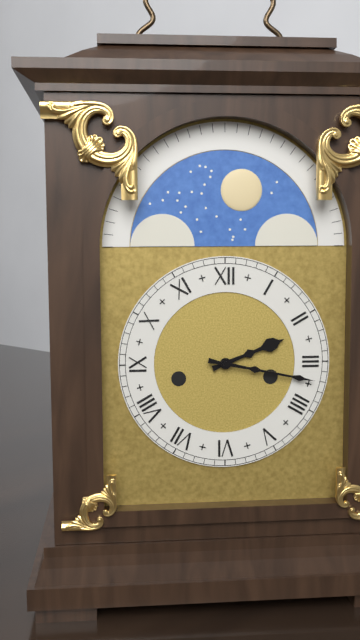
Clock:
{"hour": 2, "minute": 17}
